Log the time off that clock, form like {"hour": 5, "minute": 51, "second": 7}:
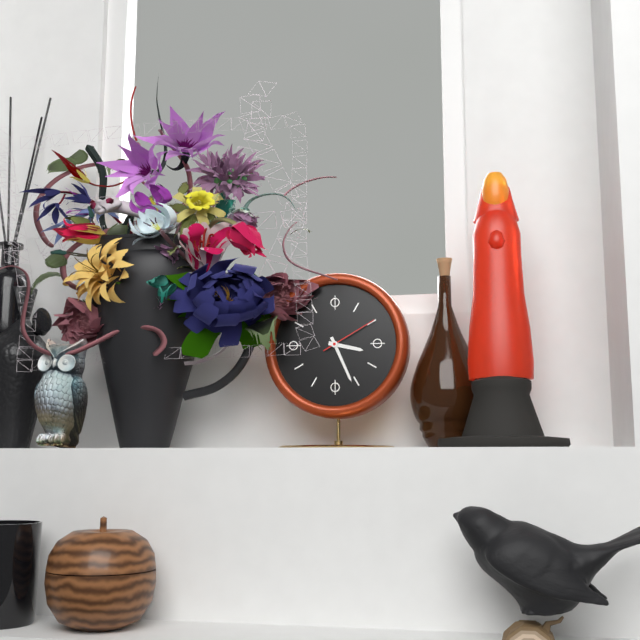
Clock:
{"hour": 3, "minute": 26, "second": 10}
